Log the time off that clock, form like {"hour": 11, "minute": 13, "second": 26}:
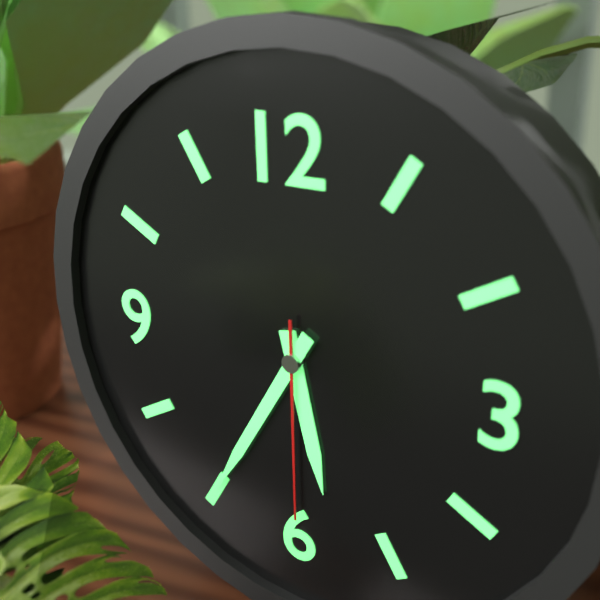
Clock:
{"hour": 5, "minute": 35, "second": 30}
